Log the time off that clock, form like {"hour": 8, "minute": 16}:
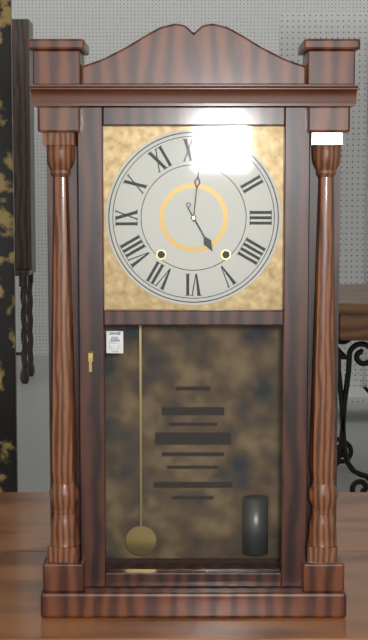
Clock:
{"hour": 5, "minute": 1}
